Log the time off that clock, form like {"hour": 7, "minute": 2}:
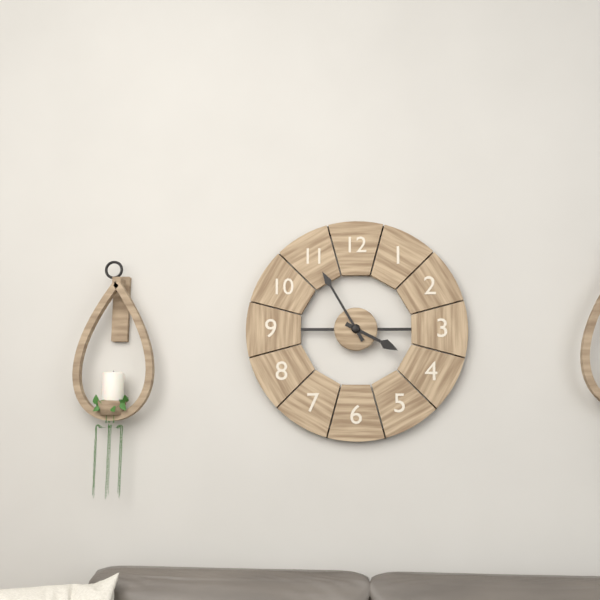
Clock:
{"hour": 3, "minute": 55}
